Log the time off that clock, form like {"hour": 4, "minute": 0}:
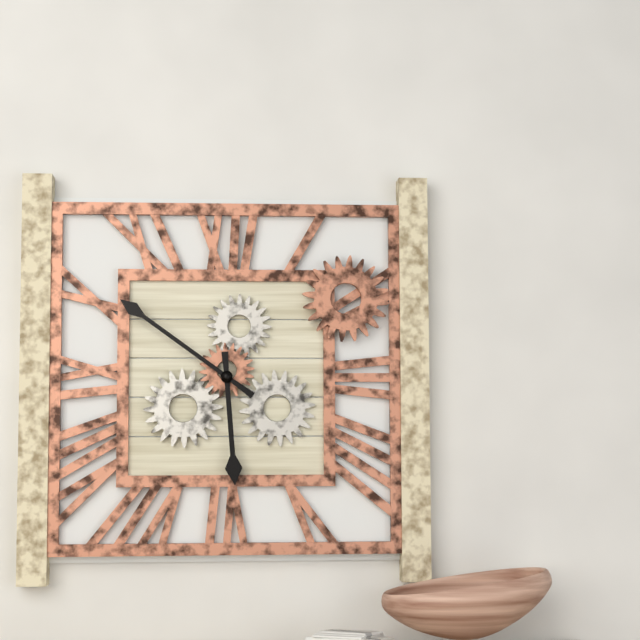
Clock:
{"hour": 5, "minute": 51}
